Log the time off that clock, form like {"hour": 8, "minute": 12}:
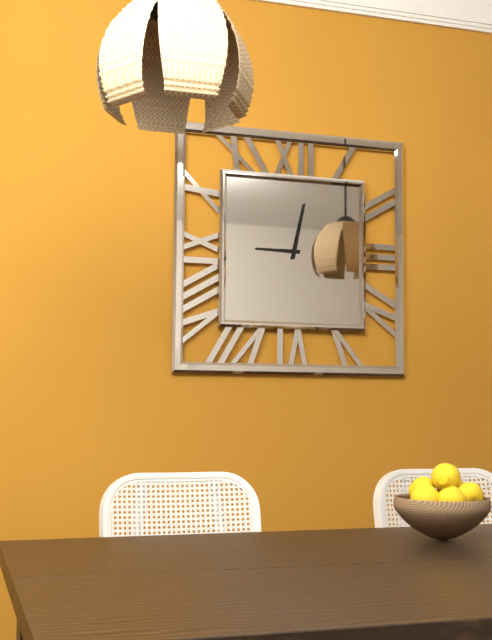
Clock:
{"hour": 9, "minute": 2}
